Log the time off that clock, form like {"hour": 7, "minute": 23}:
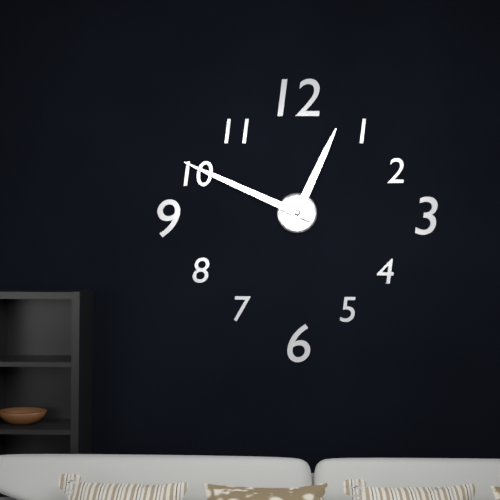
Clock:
{"hour": 12, "minute": 49}
